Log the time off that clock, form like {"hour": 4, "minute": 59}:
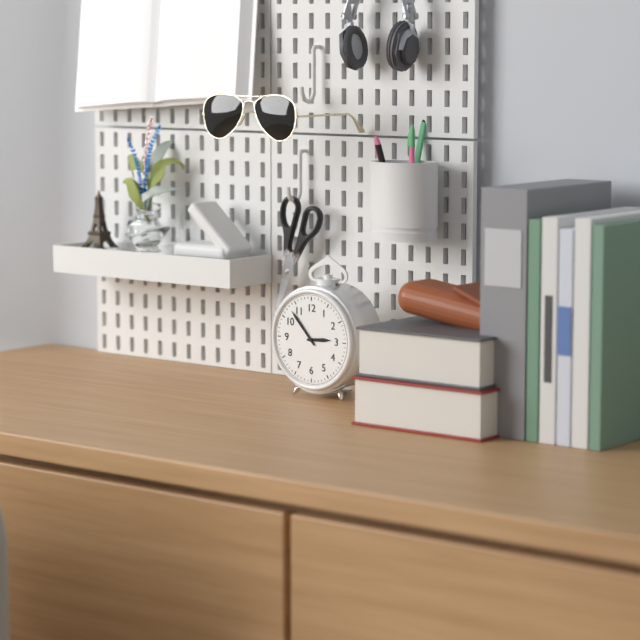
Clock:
{"hour": 2, "minute": 53}
